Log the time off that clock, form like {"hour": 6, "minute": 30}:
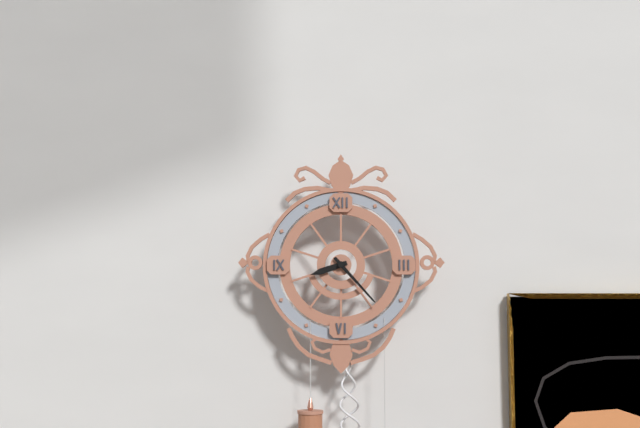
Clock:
{"hour": 8, "minute": 23}
